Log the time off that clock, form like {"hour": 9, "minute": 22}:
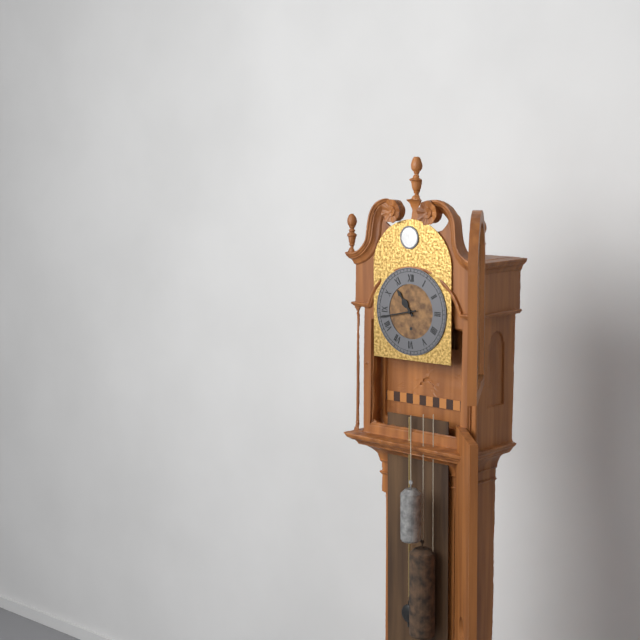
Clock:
{"hour": 10, "minute": 43}
